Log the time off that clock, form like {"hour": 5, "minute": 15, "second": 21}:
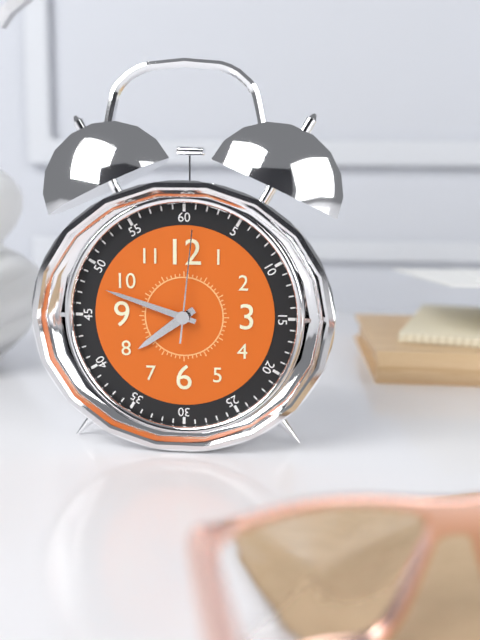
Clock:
{"hour": 7, "minute": 48, "second": 1}
